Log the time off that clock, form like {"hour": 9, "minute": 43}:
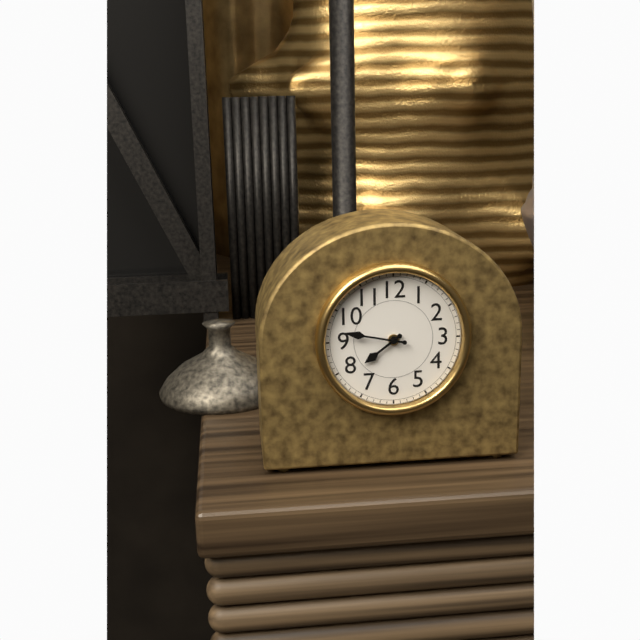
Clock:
{"hour": 7, "minute": 47}
